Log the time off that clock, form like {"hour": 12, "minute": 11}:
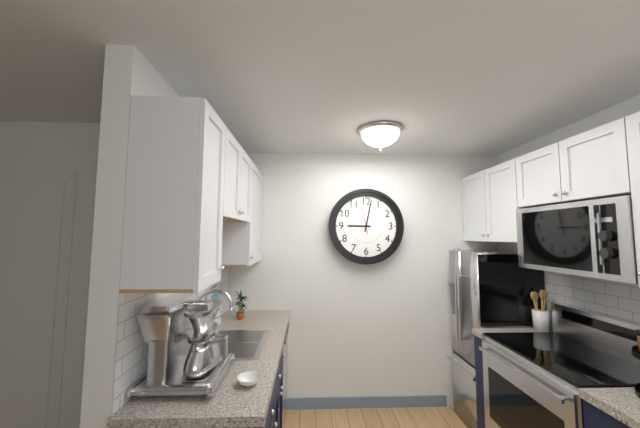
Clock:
{"hour": 9, "minute": 2}
